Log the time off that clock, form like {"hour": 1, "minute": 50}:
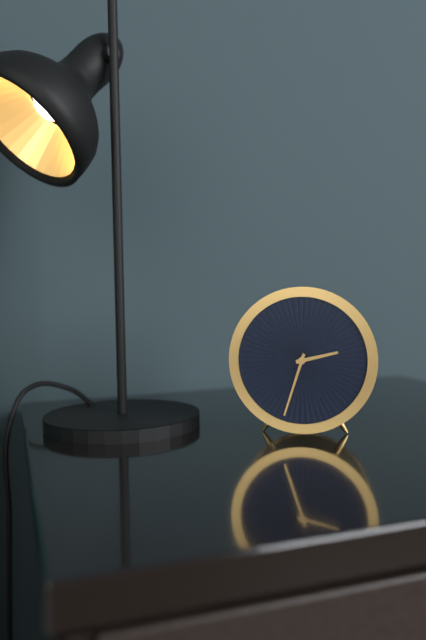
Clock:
{"hour": 2, "minute": 33}
